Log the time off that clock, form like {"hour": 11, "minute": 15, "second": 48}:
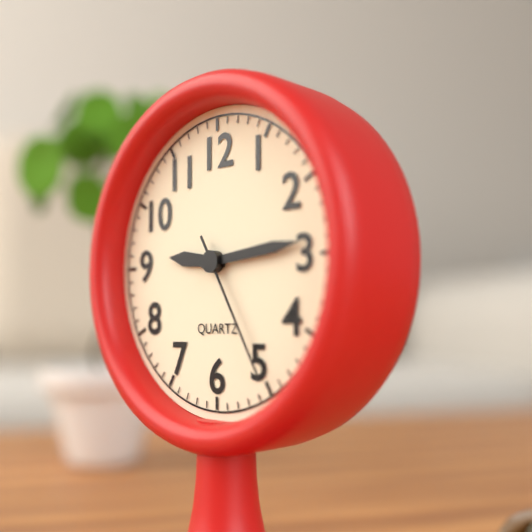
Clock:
{"hour": 9, "minute": 14, "second": 25}
